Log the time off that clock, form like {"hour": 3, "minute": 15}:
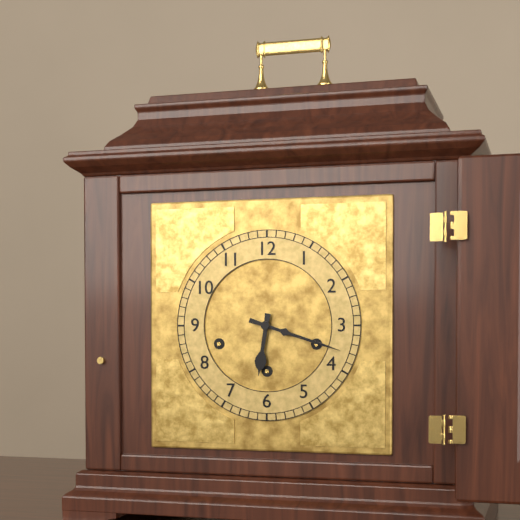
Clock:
{"hour": 6, "minute": 18}
